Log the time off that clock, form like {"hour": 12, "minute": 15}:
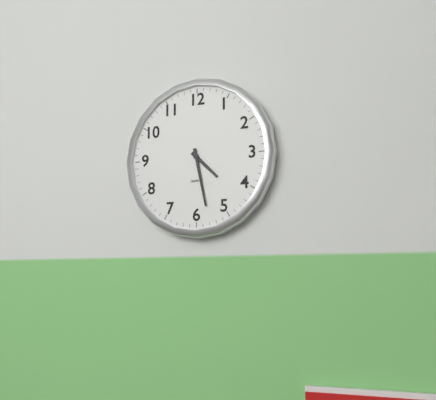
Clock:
{"hour": 4, "minute": 28}
